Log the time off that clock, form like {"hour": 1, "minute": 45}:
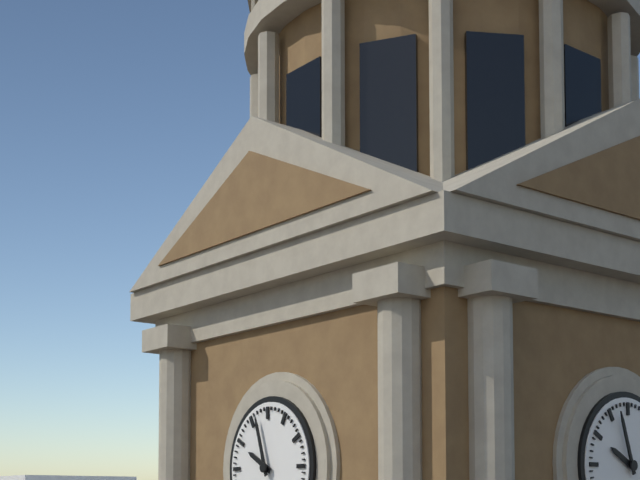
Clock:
{"hour": 9, "minute": 57}
